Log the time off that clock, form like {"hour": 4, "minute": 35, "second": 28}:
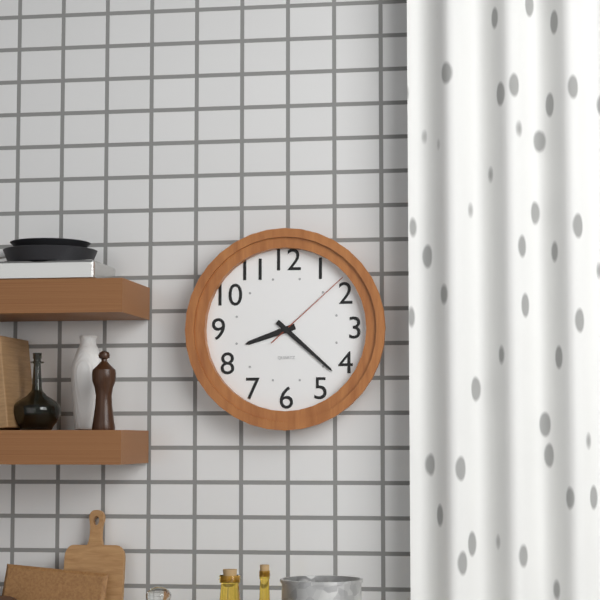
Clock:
{"hour": 8, "minute": 22, "second": 8}
